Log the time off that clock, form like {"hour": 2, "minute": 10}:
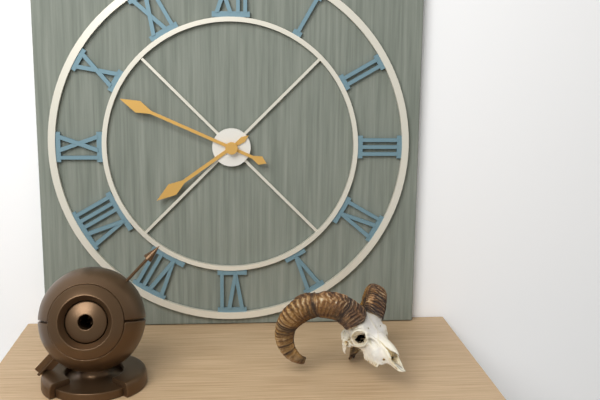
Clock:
{"hour": 7, "minute": 49}
